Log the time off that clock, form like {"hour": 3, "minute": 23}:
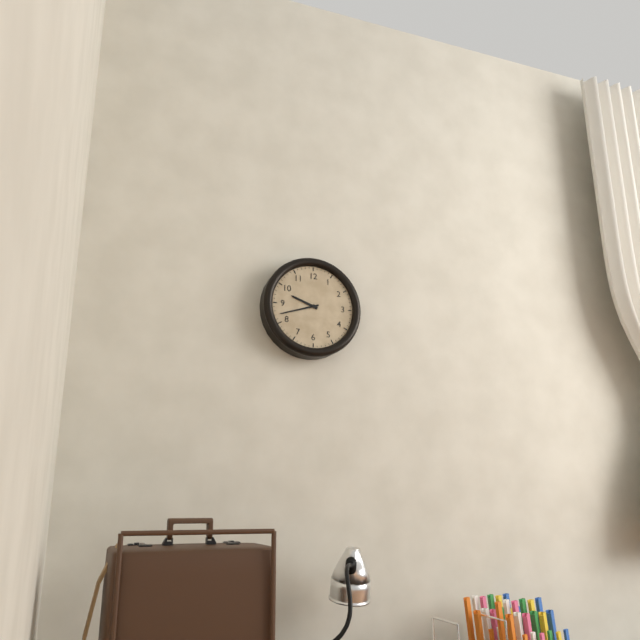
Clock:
{"hour": 9, "minute": 42}
